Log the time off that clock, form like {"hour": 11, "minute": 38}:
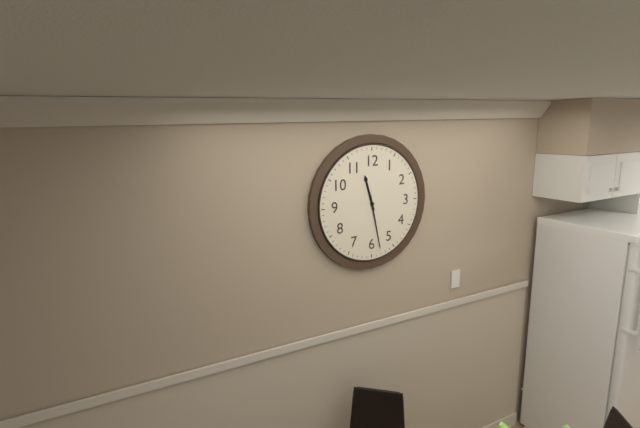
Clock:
{"hour": 11, "minute": 28}
